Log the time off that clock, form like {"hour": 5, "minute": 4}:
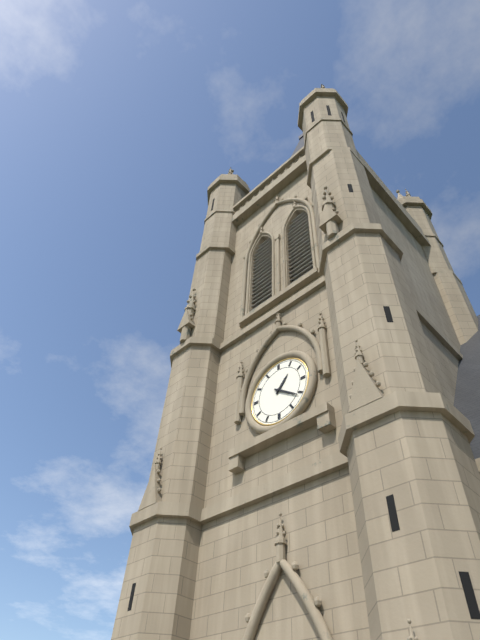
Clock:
{"hour": 1, "minute": 21}
